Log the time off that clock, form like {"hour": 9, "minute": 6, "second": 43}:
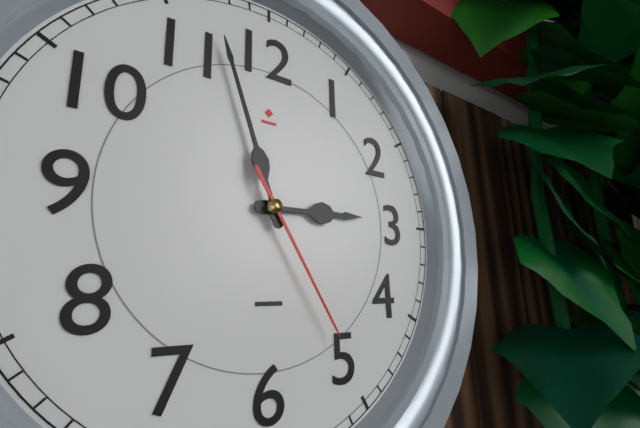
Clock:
{"hour": 2, "minute": 57, "second": 25}
